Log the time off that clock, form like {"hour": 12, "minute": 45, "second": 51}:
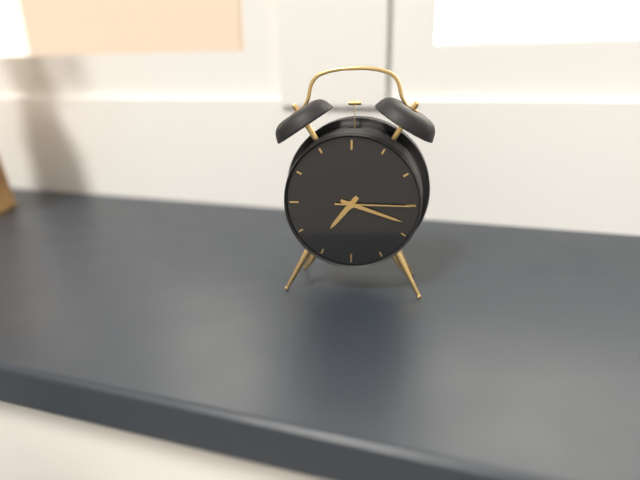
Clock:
{"hour": 7, "minute": 18, "second": 15}
